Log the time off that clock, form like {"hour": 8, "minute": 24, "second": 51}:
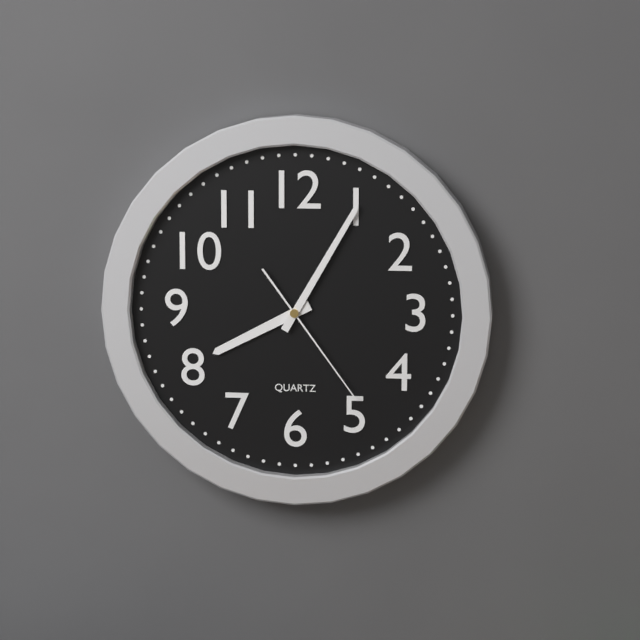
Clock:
{"hour": 8, "minute": 5, "second": 24}
